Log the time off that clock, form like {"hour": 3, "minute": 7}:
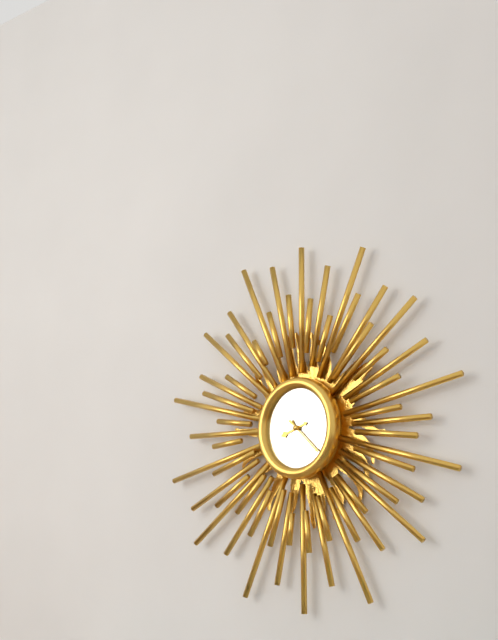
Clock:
{"hour": 8, "minute": 22}
